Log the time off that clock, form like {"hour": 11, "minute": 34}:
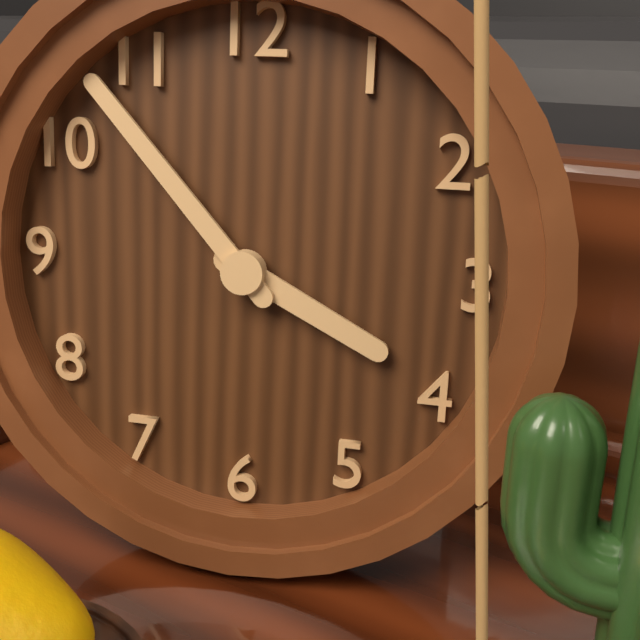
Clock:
{"hour": 3, "minute": 53}
